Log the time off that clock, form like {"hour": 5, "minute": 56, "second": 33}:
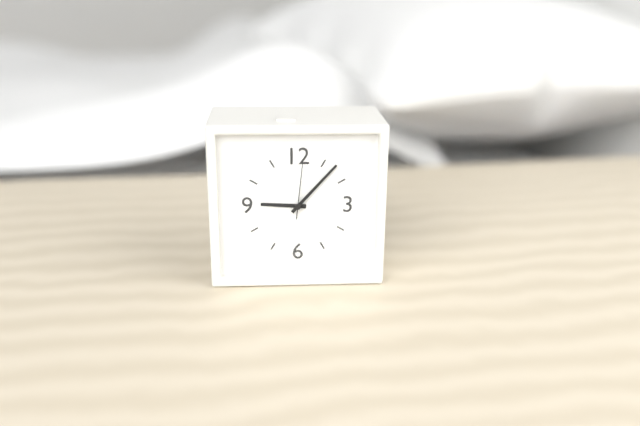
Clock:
{"hour": 9, "minute": 7, "second": 1}
